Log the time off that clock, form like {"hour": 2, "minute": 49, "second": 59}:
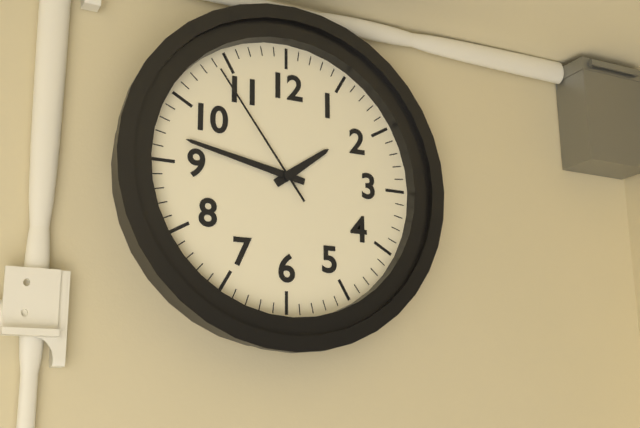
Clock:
{"hour": 1, "minute": 47, "second": 54}
